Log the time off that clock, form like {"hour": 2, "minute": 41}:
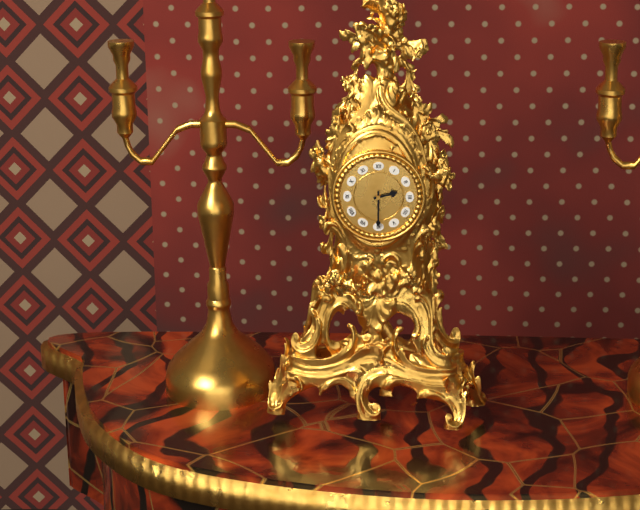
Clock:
{"hour": 2, "minute": 30}
